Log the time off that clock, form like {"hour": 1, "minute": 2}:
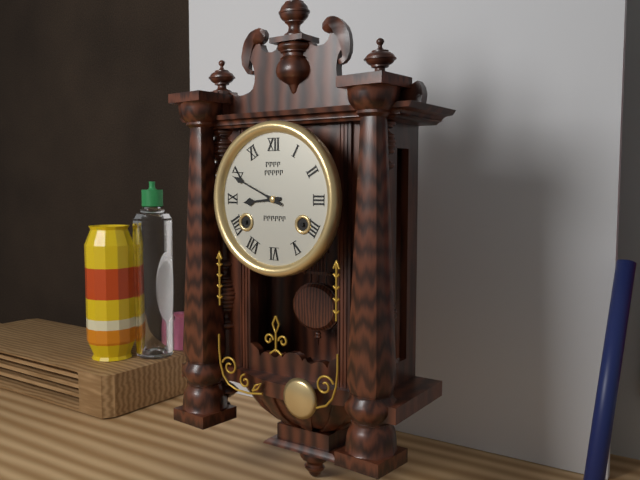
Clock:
{"hour": 8, "minute": 49}
